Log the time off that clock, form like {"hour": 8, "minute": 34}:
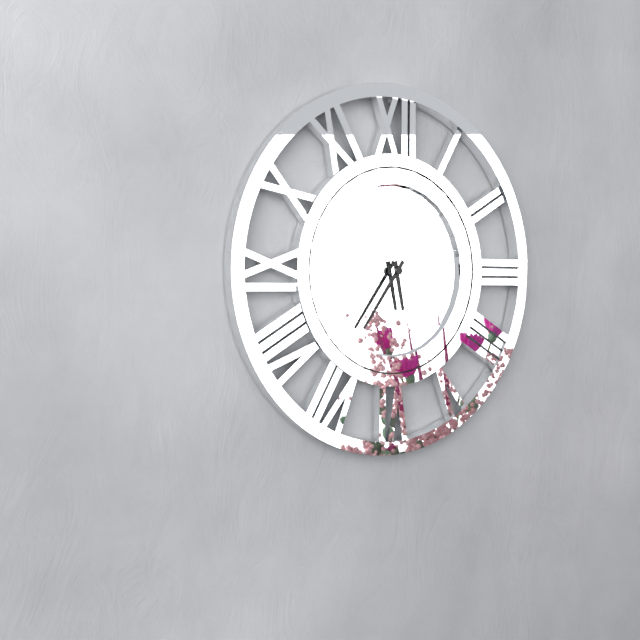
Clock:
{"hour": 5, "minute": 36}
